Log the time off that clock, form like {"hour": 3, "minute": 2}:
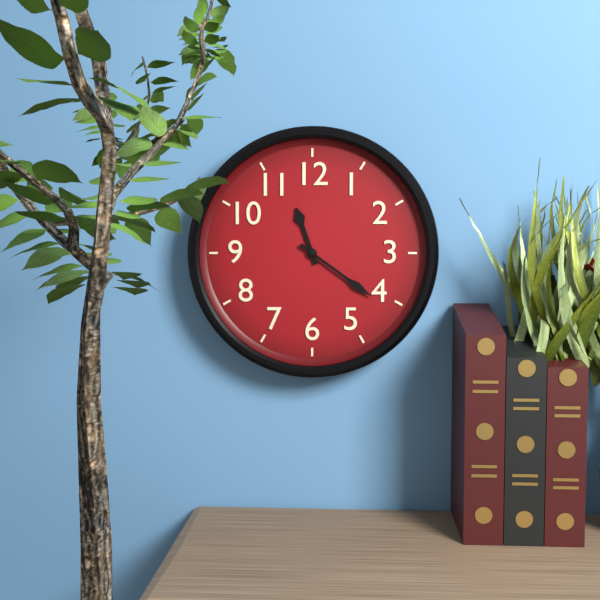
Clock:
{"hour": 11, "minute": 21}
